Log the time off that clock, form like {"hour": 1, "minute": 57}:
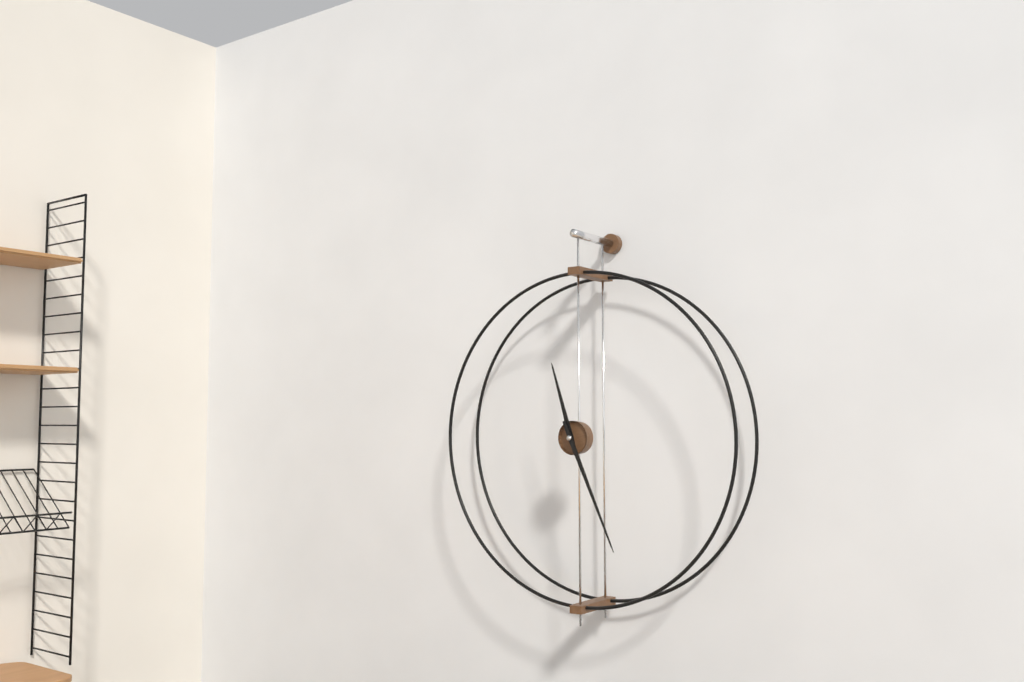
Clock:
{"hour": 11, "minute": 26}
